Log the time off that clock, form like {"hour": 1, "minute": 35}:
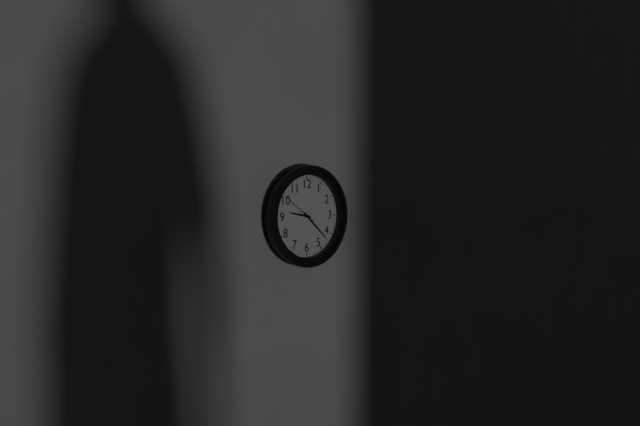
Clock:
{"hour": 9, "minute": 22}
